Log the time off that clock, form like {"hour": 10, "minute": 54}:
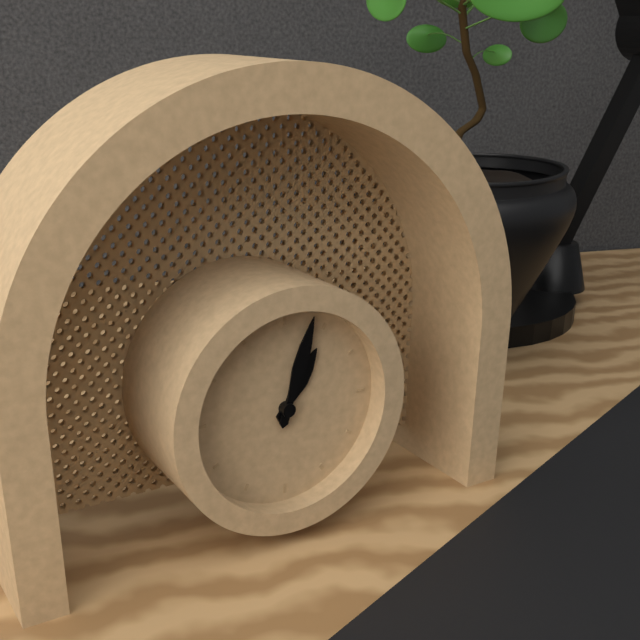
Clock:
{"hour": 1, "minute": 3}
